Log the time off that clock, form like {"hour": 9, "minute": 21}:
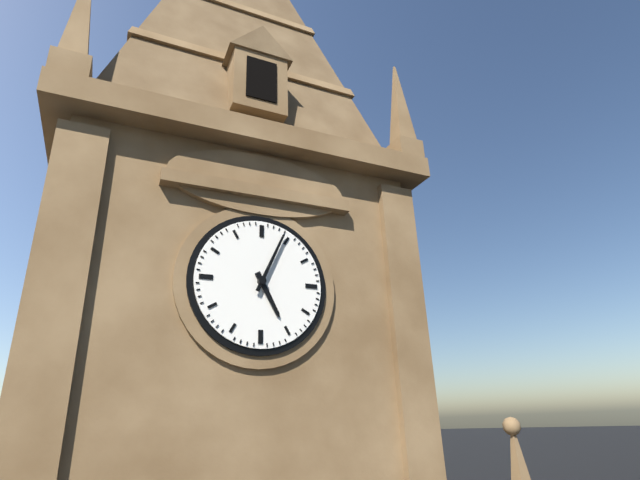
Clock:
{"hour": 5, "minute": 4}
